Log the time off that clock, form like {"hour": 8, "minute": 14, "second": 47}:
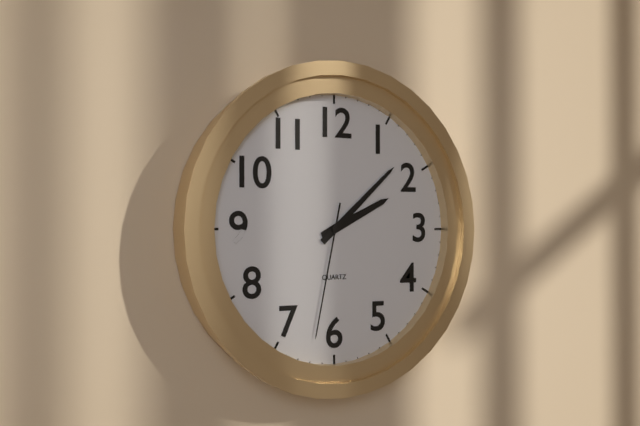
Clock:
{"hour": 2, "minute": 8, "second": 32}
